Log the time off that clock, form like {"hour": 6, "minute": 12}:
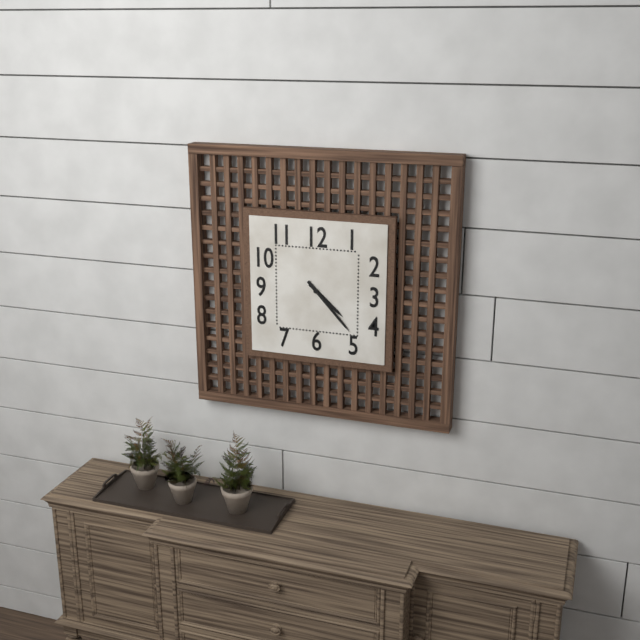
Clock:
{"hour": 4, "minute": 23}
